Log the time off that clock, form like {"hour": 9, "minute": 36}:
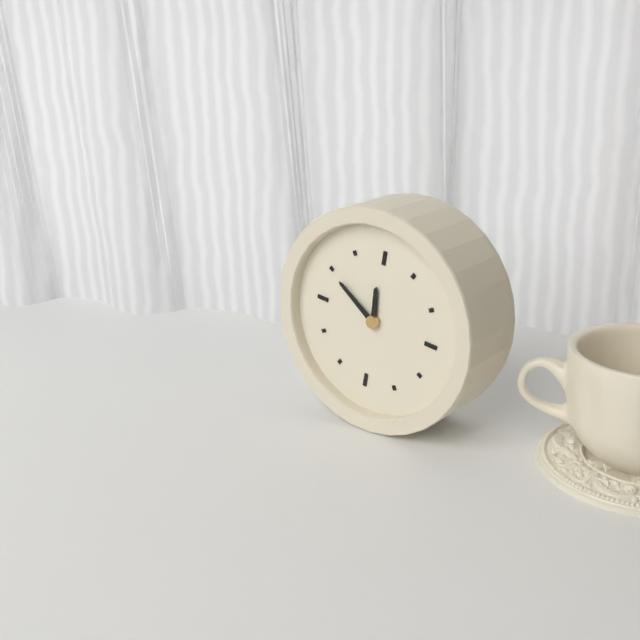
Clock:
{"hour": 11, "minute": 50}
